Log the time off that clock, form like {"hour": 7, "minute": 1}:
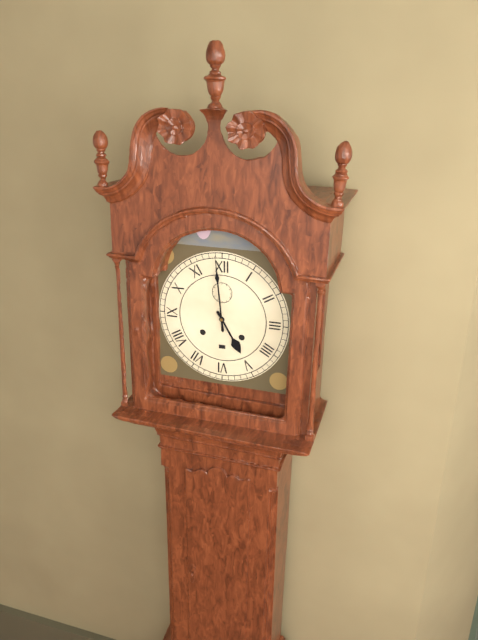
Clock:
{"hour": 4, "minute": 59}
